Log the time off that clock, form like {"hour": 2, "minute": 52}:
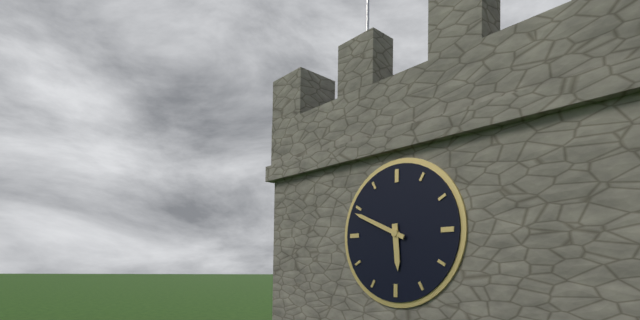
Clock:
{"hour": 5, "minute": 49}
